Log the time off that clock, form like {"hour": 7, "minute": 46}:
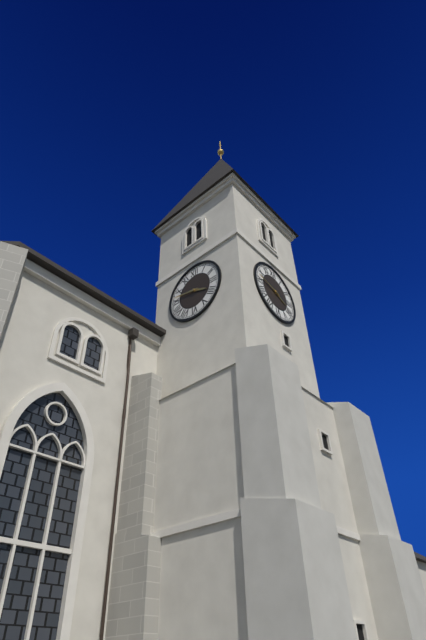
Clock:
{"hour": 3, "minute": 47}
